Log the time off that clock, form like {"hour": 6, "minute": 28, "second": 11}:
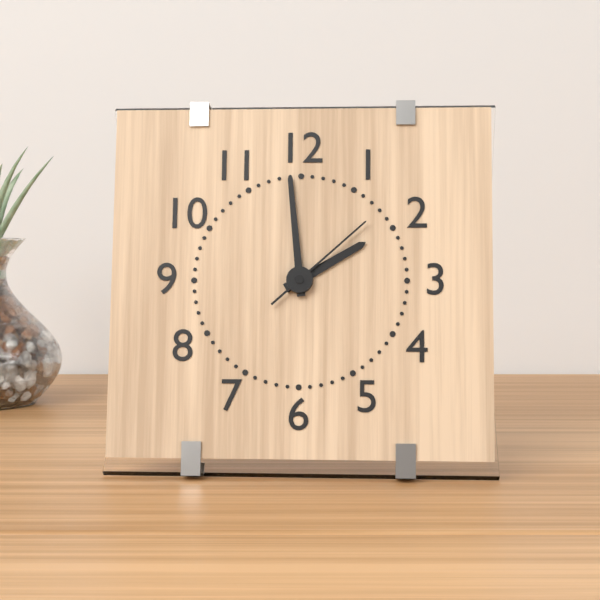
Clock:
{"hour": 1, "minute": 59, "second": 8}
